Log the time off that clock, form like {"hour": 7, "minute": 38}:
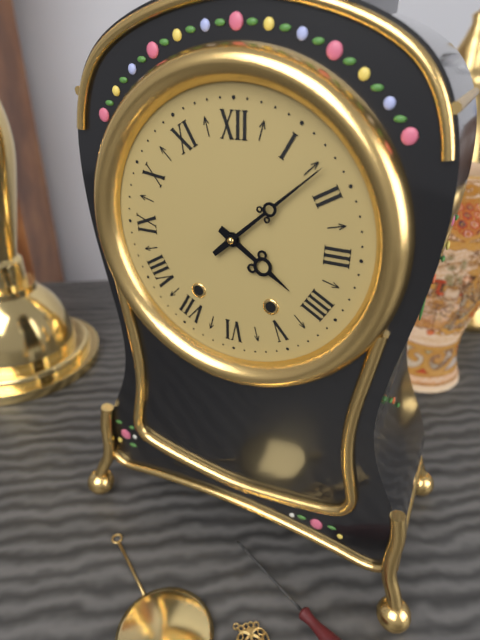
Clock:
{"hour": 4, "minute": 8}
